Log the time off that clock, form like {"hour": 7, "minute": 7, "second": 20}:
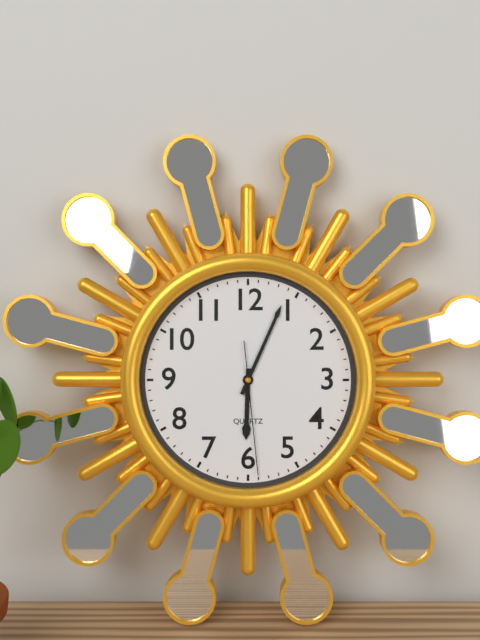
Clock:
{"hour": 6, "minute": 4, "second": 29}
